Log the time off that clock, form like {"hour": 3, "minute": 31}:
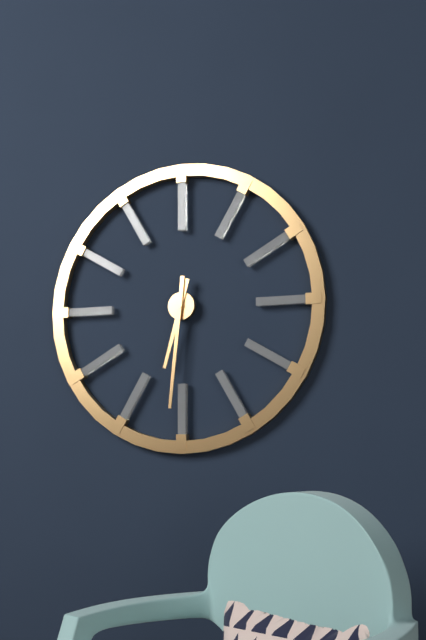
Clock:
{"hour": 6, "minute": 31}
